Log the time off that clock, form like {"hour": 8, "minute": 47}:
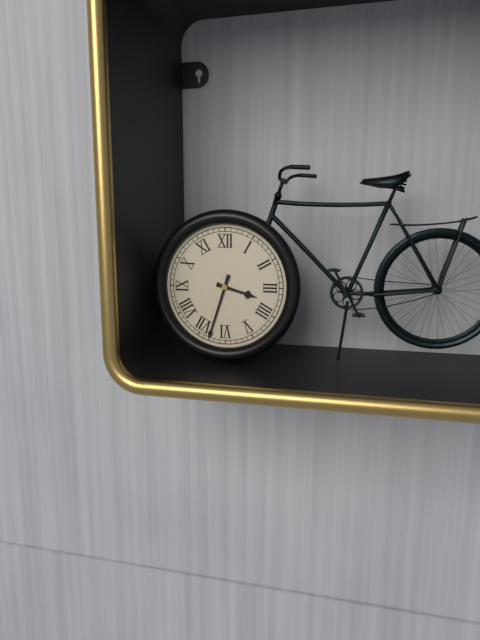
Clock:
{"hour": 3, "minute": 33}
